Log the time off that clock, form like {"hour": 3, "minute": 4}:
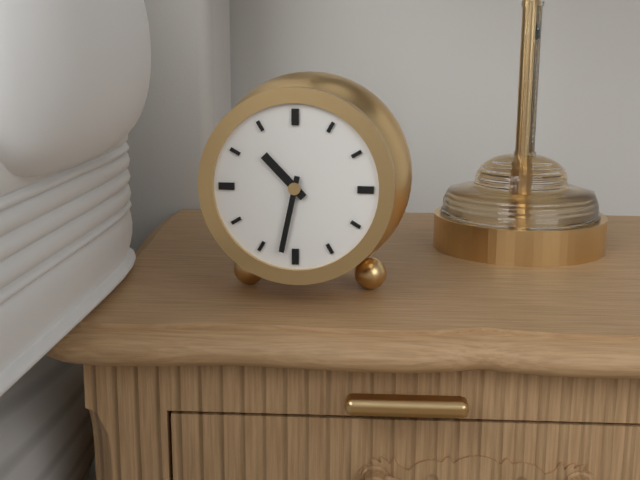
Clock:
{"hour": 10, "minute": 32}
